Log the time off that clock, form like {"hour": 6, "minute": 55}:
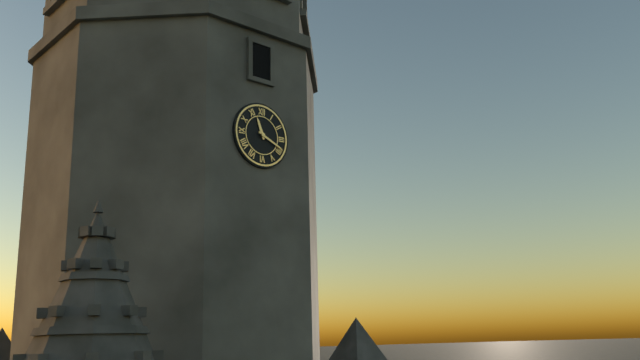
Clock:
{"hour": 11, "minute": 19}
